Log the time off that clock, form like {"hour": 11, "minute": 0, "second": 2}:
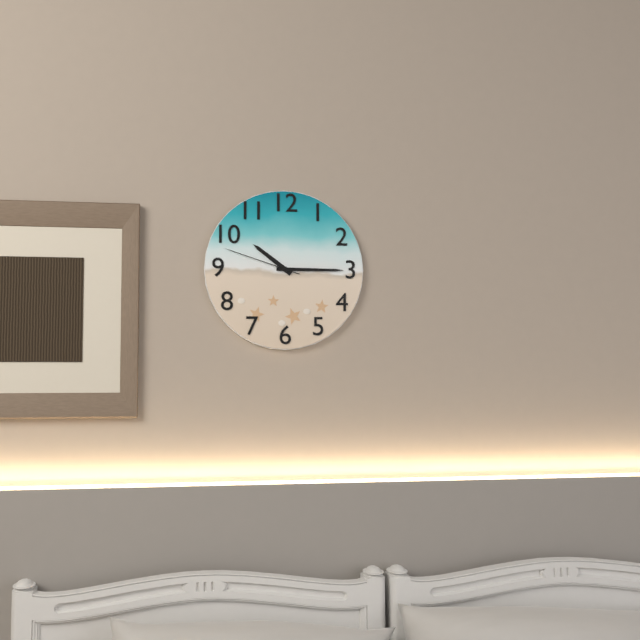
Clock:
{"hour": 10, "minute": 15, "second": 48}
